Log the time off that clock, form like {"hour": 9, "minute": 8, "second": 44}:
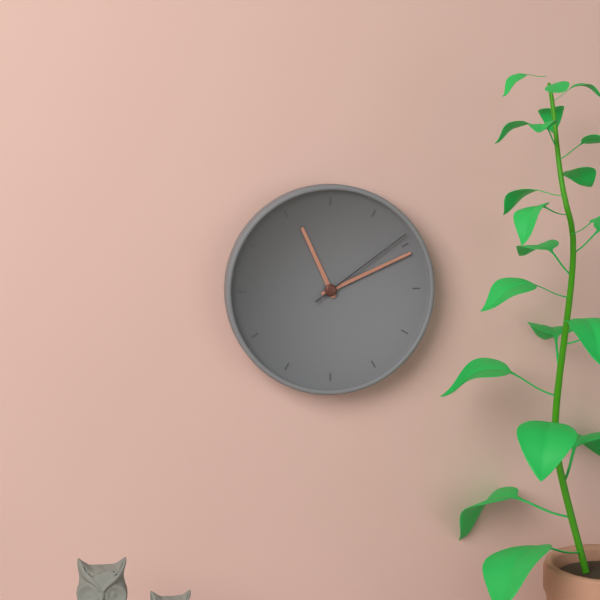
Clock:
{"hour": 11, "minute": 11, "second": 9}
